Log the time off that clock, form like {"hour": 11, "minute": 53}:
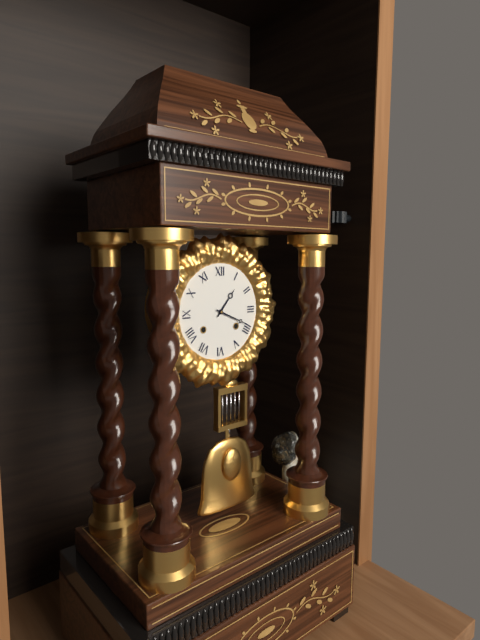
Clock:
{"hour": 1, "minute": 19}
